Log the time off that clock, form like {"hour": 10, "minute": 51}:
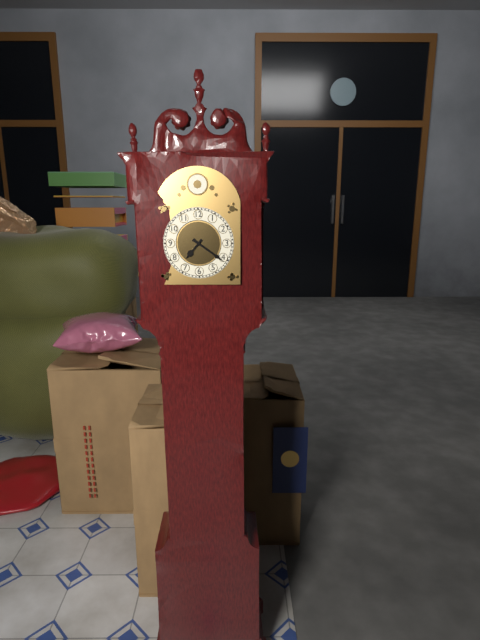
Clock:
{"hour": 7, "minute": 21}
